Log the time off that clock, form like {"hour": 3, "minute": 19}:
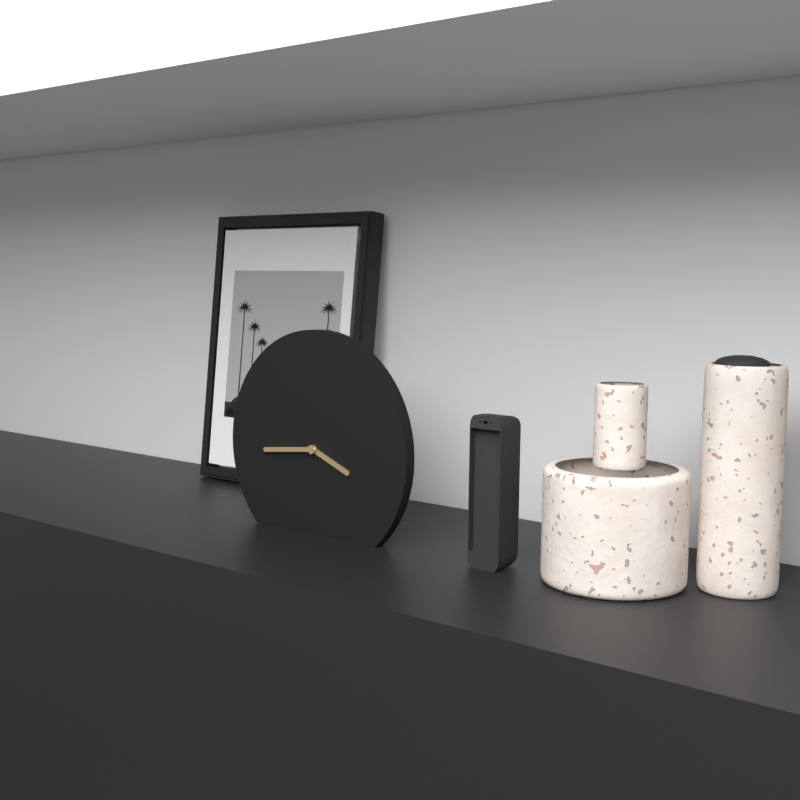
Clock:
{"hour": 3, "minute": 44}
